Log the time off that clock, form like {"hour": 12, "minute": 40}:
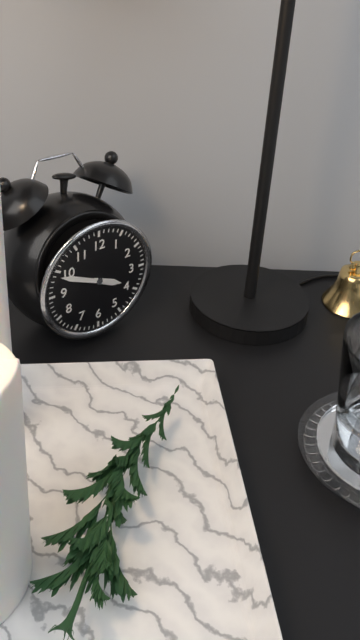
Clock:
{"hour": 3, "minute": 49}
